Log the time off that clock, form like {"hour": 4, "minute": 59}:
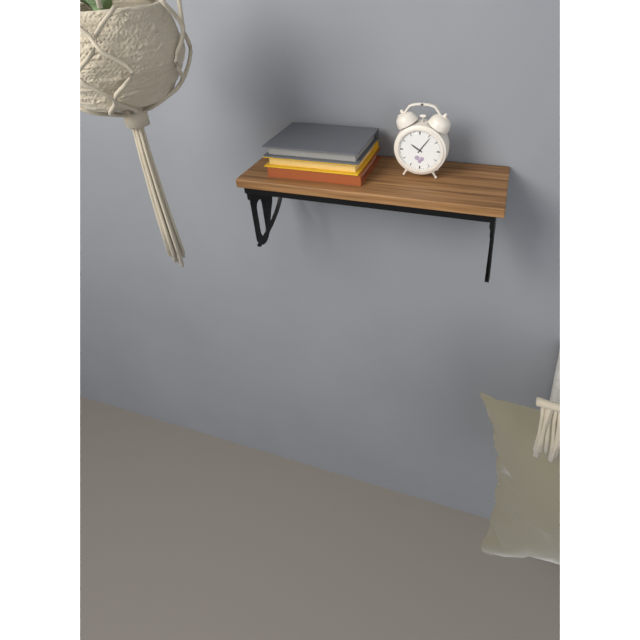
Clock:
{"hour": 10, "minute": 6}
